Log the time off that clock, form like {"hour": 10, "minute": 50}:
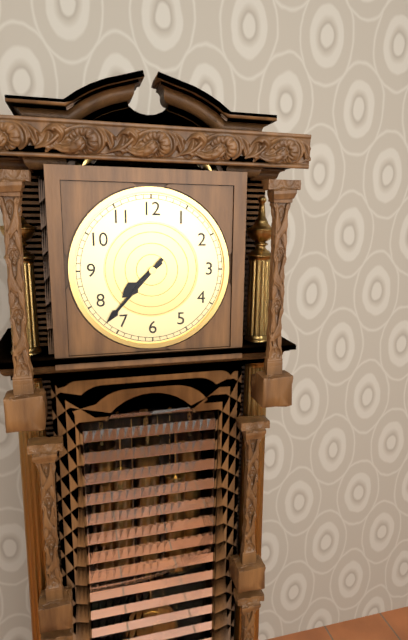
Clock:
{"hour": 7, "minute": 37}
